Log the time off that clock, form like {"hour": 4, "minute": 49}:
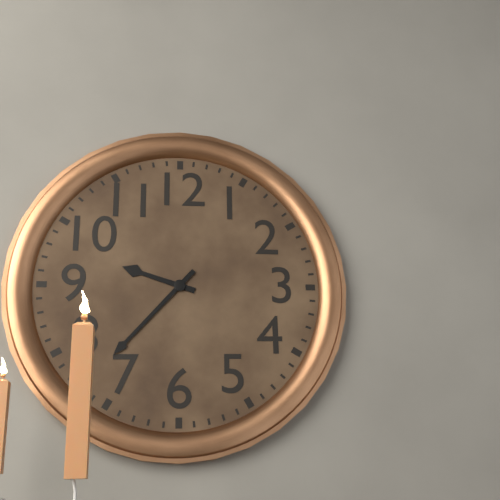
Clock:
{"hour": 9, "minute": 37}
